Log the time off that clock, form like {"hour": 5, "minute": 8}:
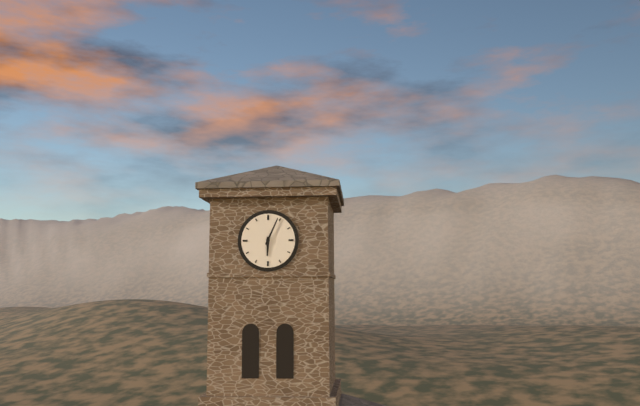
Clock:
{"hour": 6, "minute": 4}
